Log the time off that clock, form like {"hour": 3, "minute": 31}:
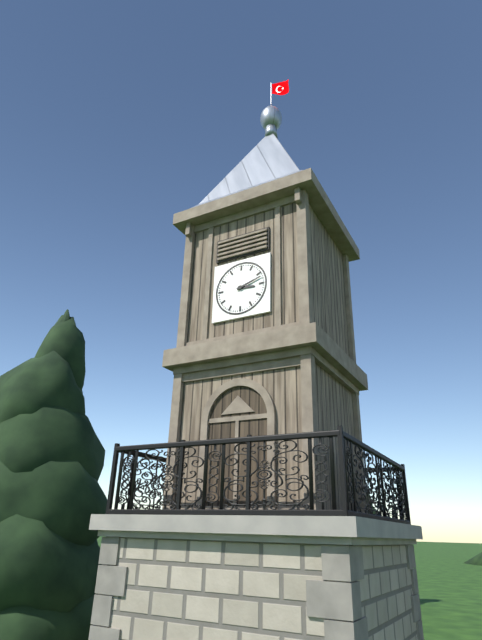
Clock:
{"hour": 3, "minute": 12}
